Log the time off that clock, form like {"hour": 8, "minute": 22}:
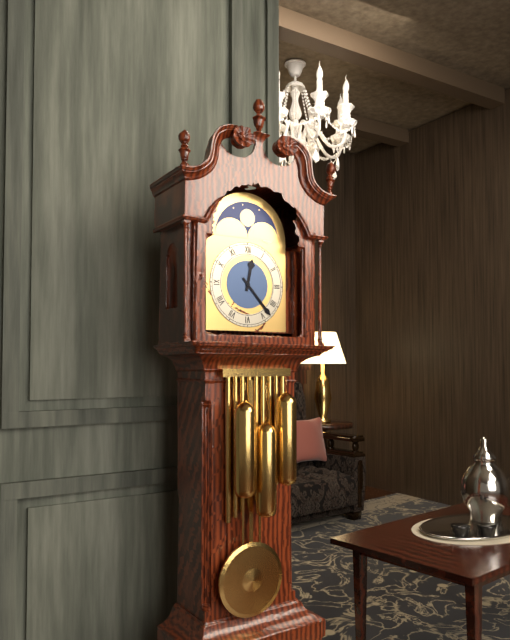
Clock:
{"hour": 12, "minute": 23}
